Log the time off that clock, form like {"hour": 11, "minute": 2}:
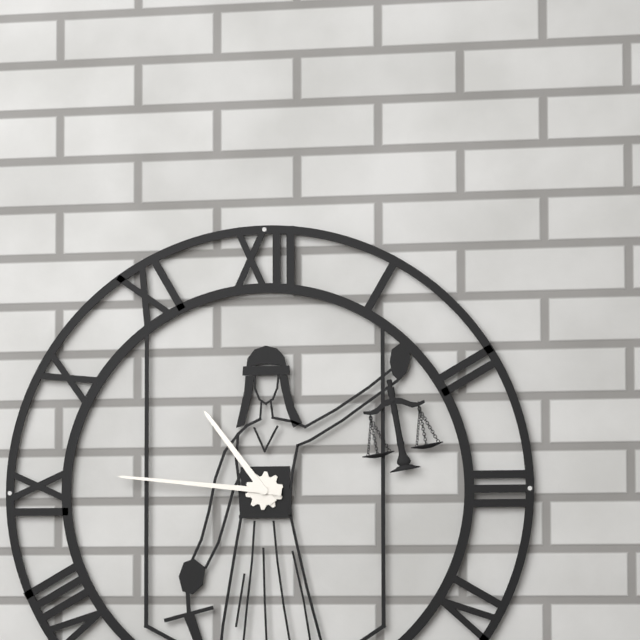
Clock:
{"hour": 10, "minute": 46}
